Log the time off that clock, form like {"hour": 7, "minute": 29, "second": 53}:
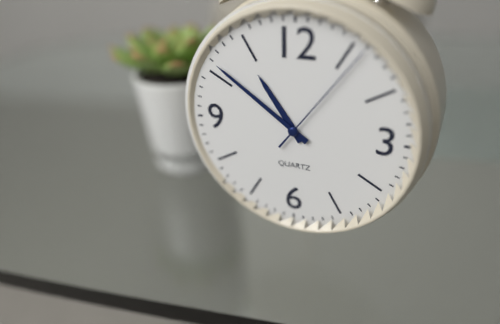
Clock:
{"hour": 10, "minute": 51, "second": 6}
